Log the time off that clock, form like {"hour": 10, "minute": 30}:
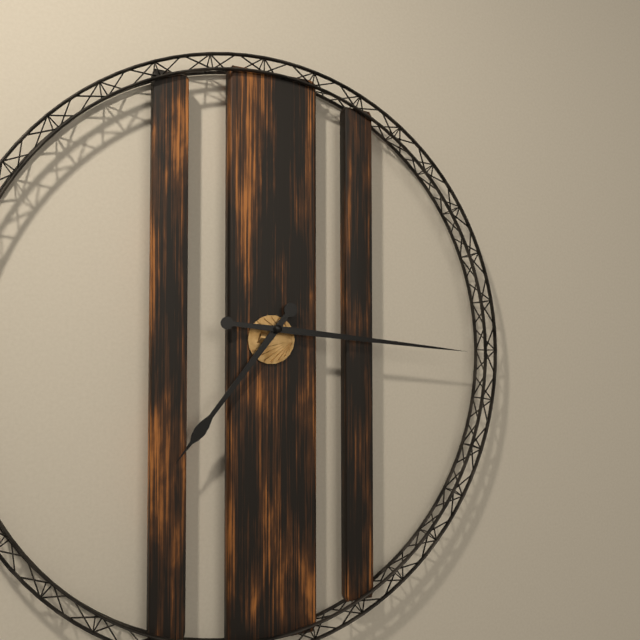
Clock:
{"hour": 7, "minute": 16}
